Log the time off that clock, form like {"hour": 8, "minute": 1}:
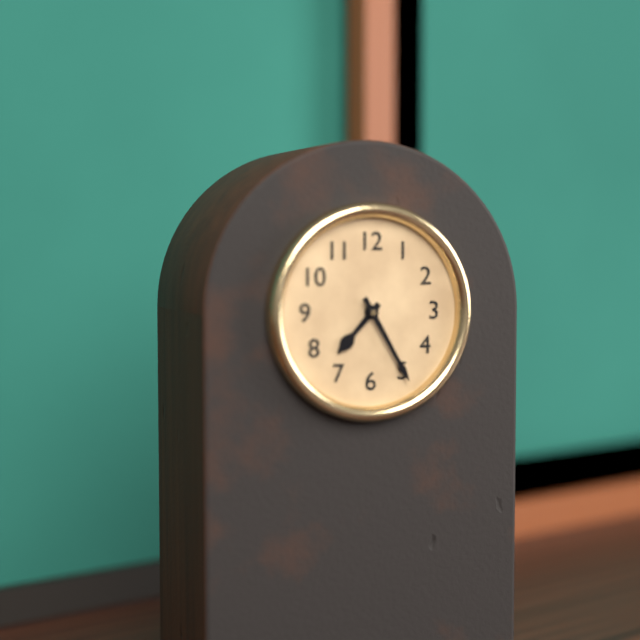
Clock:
{"hour": 7, "minute": 25}
